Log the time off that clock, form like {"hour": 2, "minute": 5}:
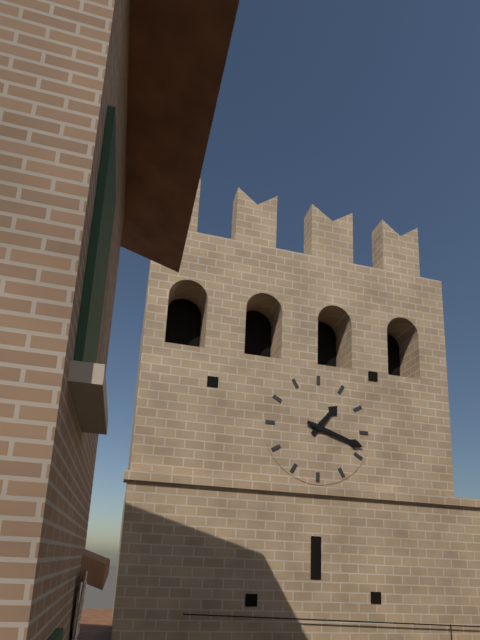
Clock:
{"hour": 1, "minute": 18}
